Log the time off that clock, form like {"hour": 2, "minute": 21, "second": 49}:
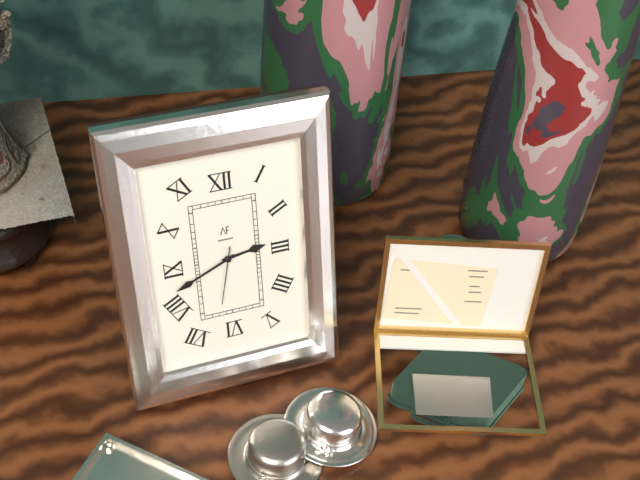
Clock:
{"hour": 2, "minute": 41, "second": 32}
